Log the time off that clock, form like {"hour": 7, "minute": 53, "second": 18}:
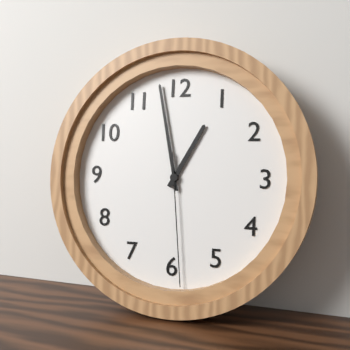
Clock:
{"hour": 12, "minute": 58, "second": 29}
